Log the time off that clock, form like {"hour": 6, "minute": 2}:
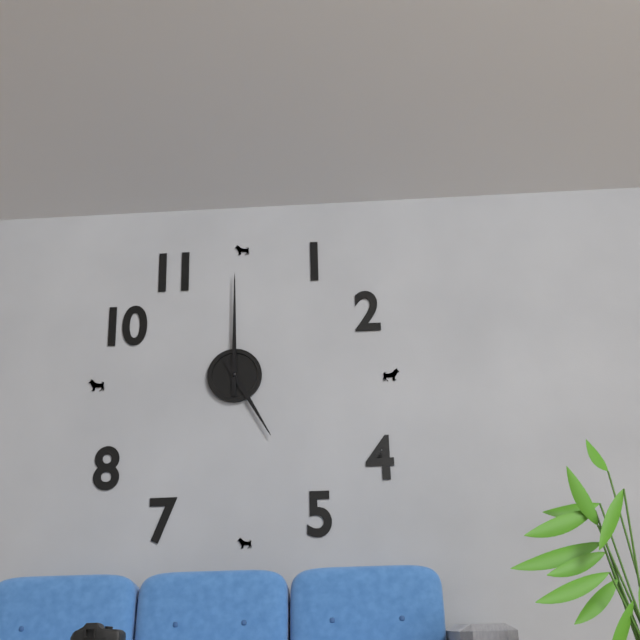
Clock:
{"hour": 5, "minute": 0}
